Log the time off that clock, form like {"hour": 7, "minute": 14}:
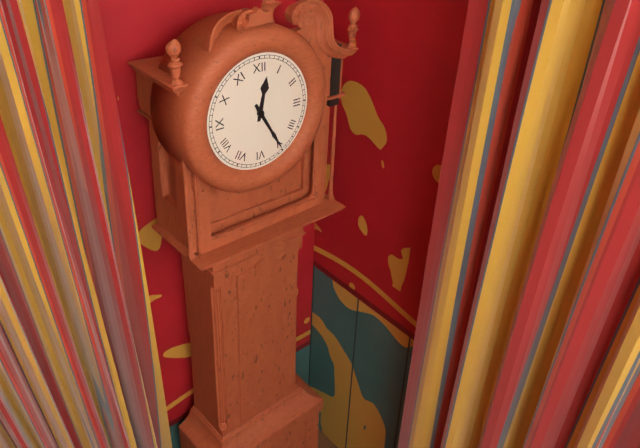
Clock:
{"hour": 12, "minute": 25}
